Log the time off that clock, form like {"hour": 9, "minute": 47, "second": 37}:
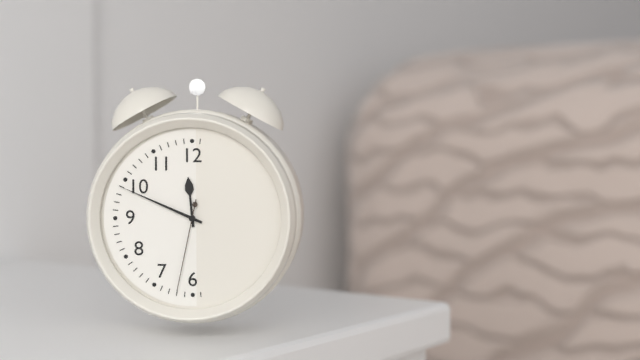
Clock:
{"hour": 11, "minute": 49, "second": 32}
